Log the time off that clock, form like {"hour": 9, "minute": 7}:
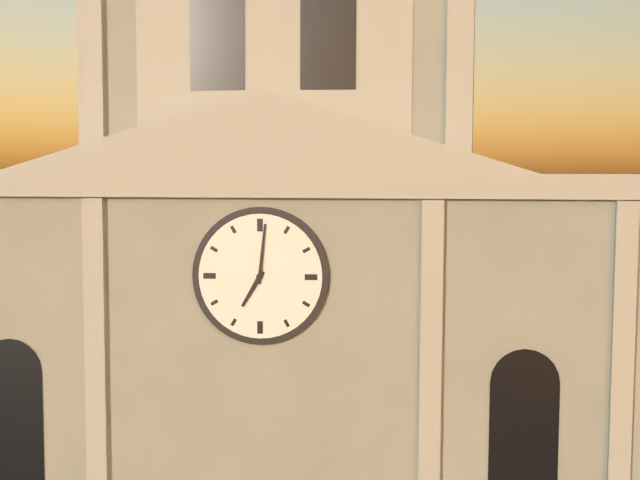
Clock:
{"hour": 7, "minute": 1}
